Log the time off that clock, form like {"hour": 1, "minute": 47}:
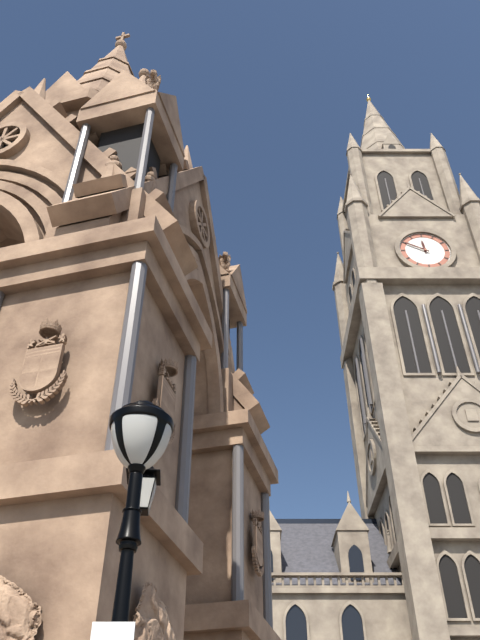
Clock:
{"hour": 11, "minute": 50}
